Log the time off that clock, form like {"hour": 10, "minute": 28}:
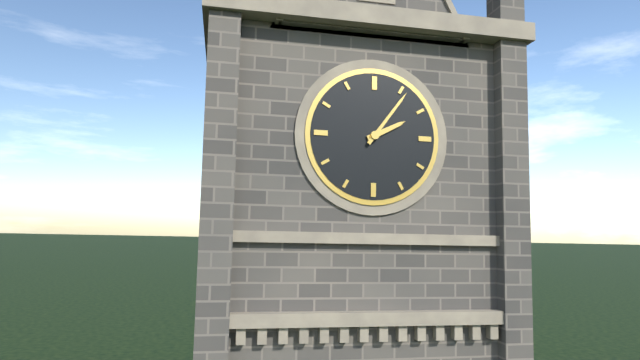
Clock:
{"hour": 2, "minute": 6}
